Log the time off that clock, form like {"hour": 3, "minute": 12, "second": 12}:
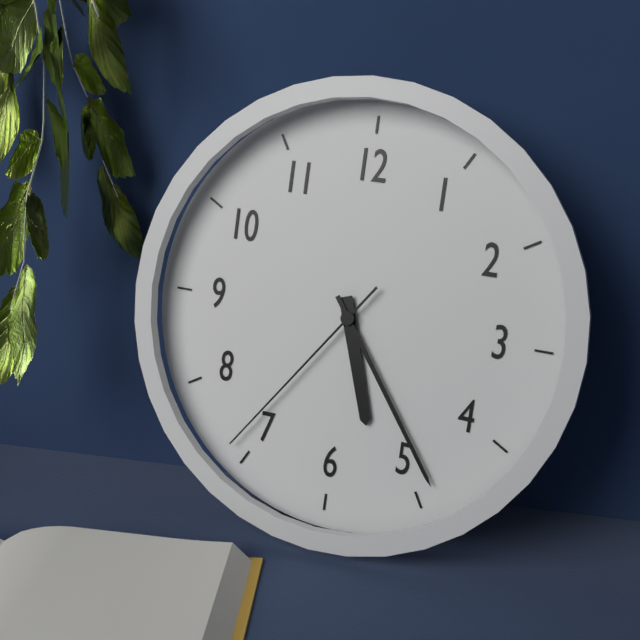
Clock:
{"hour": 5, "minute": 24, "second": 36}
